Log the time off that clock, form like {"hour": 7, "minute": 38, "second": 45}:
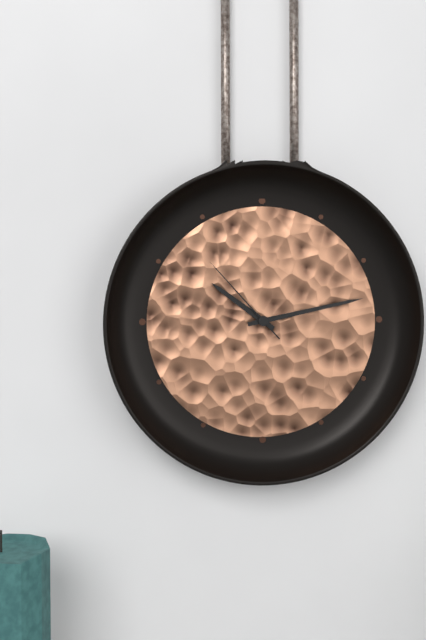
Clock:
{"hour": 10, "minute": 13, "second": 53}
